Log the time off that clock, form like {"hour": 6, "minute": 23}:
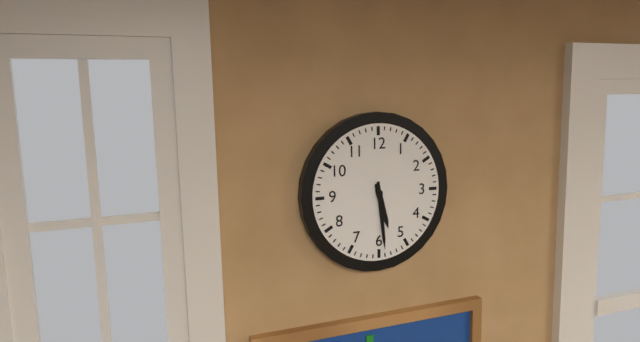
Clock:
{"hour": 5, "minute": 29}
